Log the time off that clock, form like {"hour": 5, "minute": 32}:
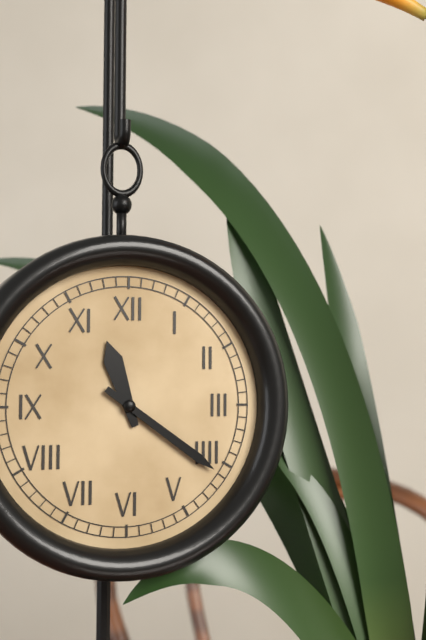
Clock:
{"hour": 11, "minute": 21}
